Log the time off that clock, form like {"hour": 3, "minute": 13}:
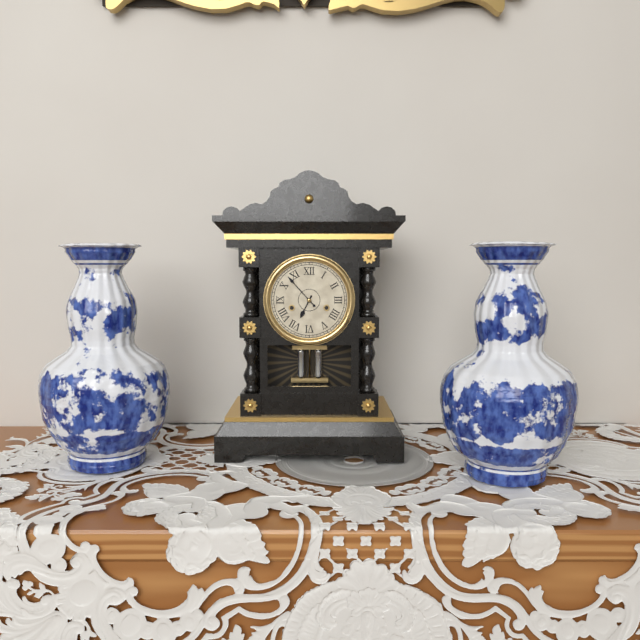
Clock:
{"hour": 6, "minute": 53}
